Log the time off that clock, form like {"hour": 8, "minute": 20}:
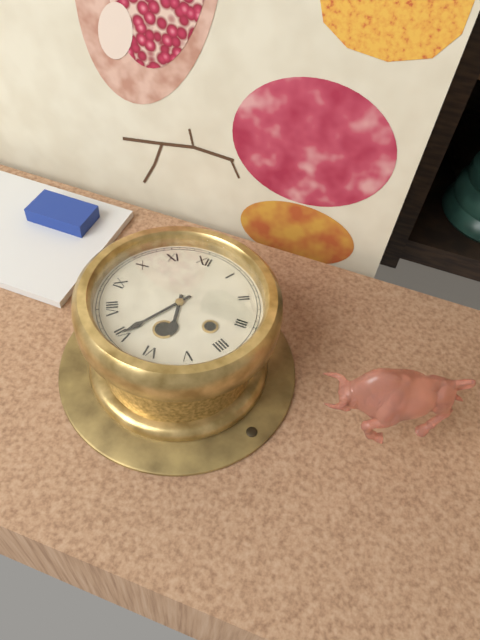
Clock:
{"hour": 5, "minute": 35}
